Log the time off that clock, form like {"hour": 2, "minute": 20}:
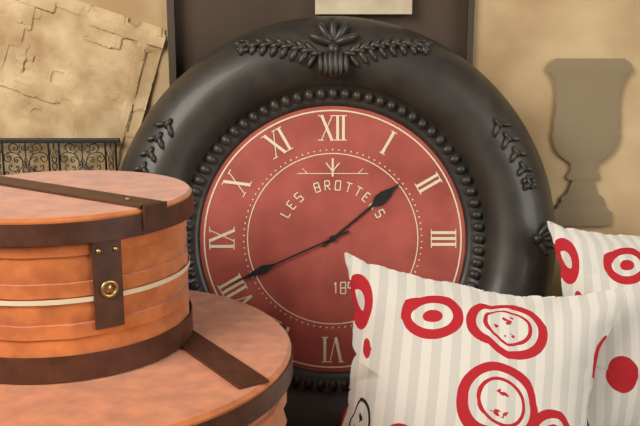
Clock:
{"hour": 1, "minute": 41}
